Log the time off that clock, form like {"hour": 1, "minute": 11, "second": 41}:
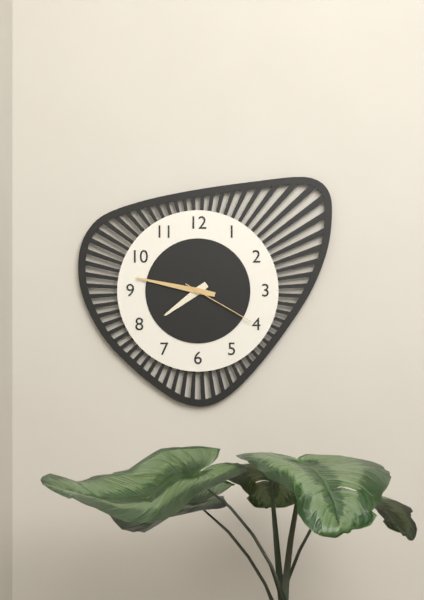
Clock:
{"hour": 7, "minute": 47, "second": 20}
